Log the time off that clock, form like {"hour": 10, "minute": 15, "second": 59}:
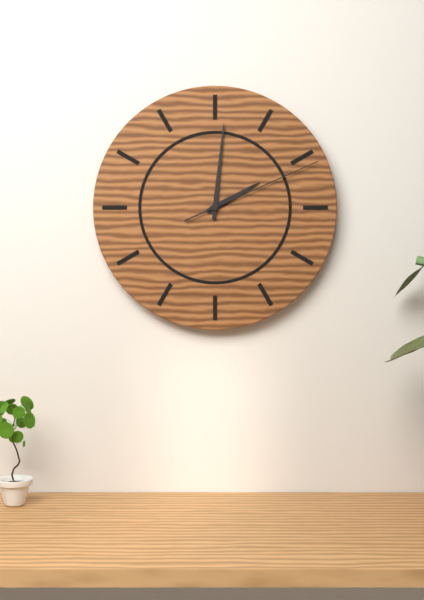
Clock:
{"hour": 2, "minute": 1, "second": 11}
